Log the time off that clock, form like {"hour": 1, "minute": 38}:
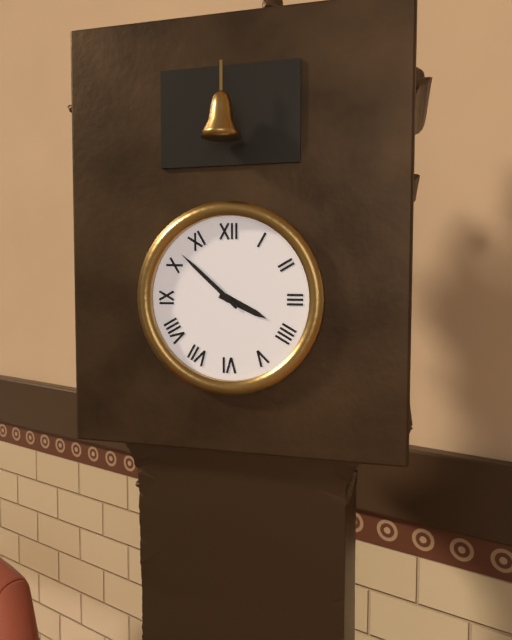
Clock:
{"hour": 3, "minute": 52}
